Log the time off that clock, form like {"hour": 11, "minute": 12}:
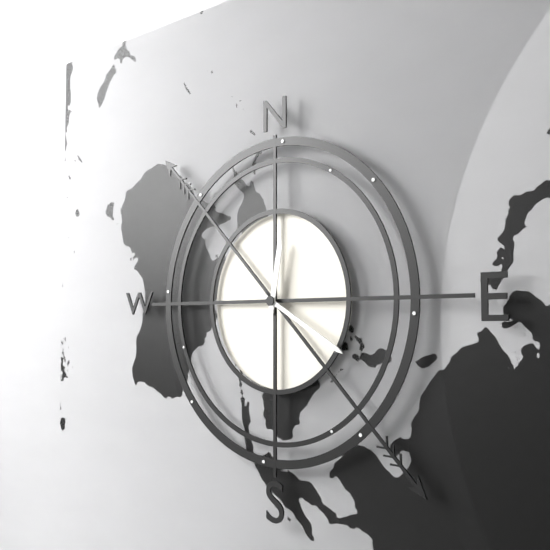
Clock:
{"hour": 12, "minute": 20}
